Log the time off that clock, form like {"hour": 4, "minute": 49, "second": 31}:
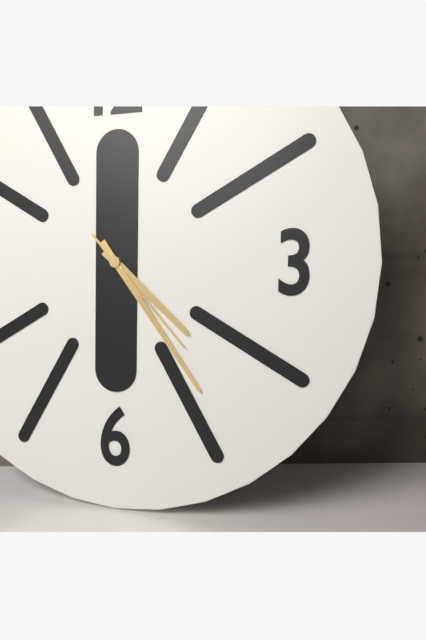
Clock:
{"hour": 4, "minute": 24, "second": 23}
